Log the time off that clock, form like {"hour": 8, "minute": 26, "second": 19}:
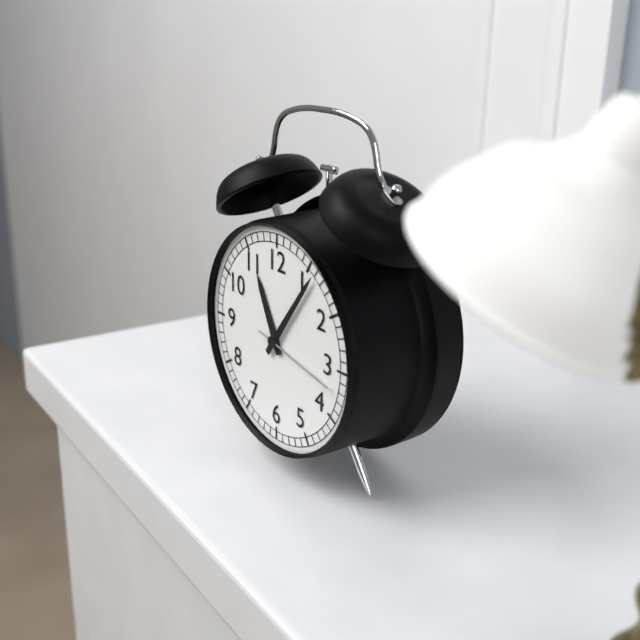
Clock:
{"hour": 11, "minute": 6, "second": 17}
